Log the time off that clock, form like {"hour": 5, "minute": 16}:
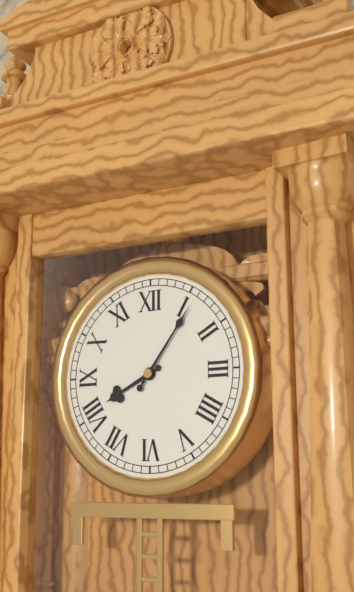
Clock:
{"hour": 8, "minute": 6}
